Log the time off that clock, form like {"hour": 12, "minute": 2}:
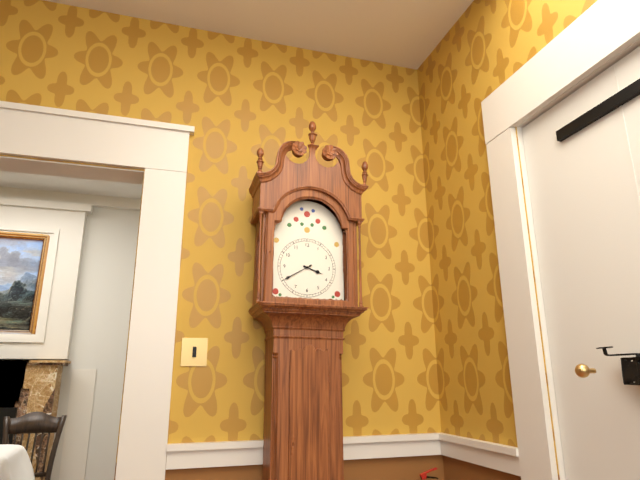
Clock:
{"hour": 3, "minute": 40}
